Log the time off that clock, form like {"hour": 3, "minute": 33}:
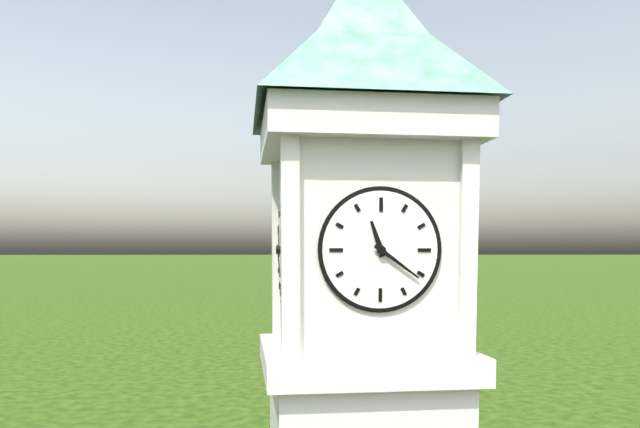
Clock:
{"hour": 11, "minute": 21}
